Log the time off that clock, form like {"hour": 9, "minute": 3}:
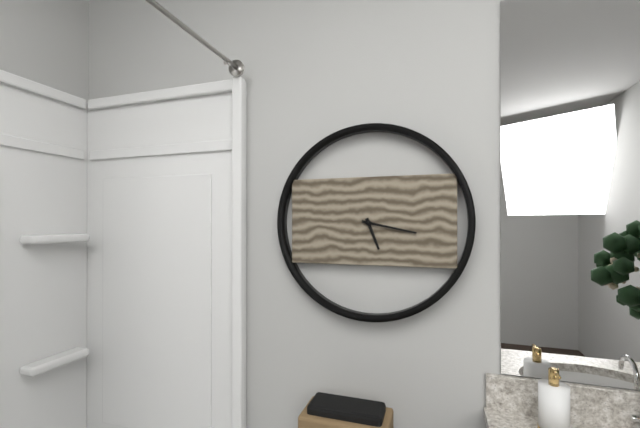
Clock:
{"hour": 5, "minute": 17}
